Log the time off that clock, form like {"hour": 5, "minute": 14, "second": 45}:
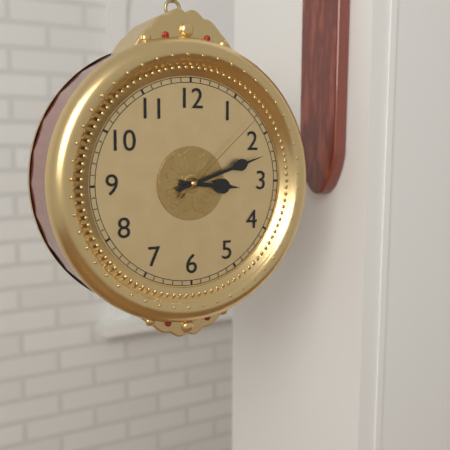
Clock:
{"hour": 3, "minute": 12, "second": 8}
